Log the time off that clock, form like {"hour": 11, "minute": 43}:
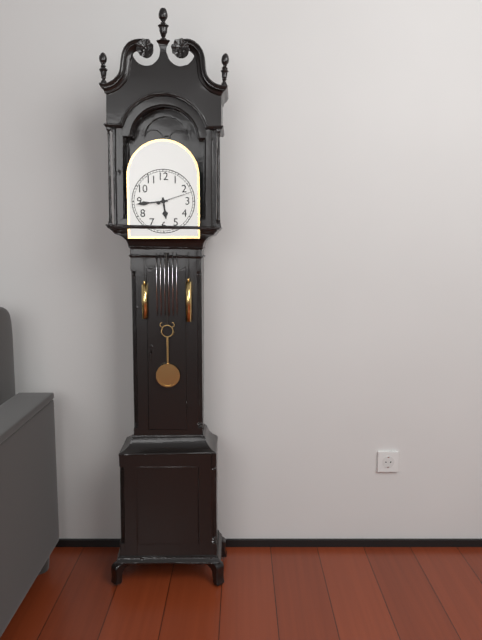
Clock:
{"hour": 5, "minute": 44}
